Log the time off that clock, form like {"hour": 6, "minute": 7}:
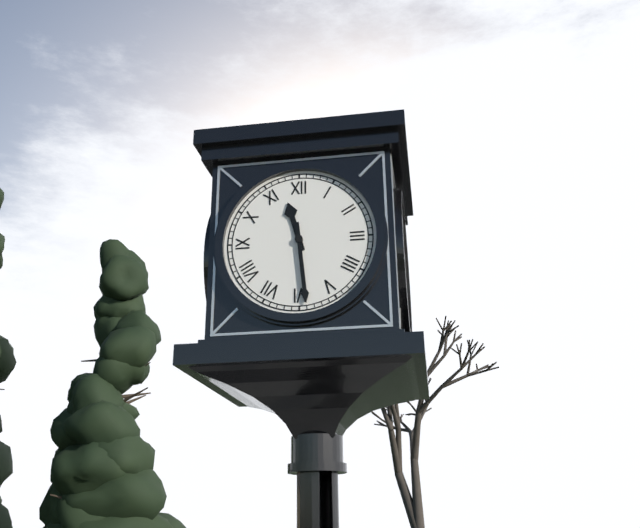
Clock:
{"hour": 11, "minute": 29}
